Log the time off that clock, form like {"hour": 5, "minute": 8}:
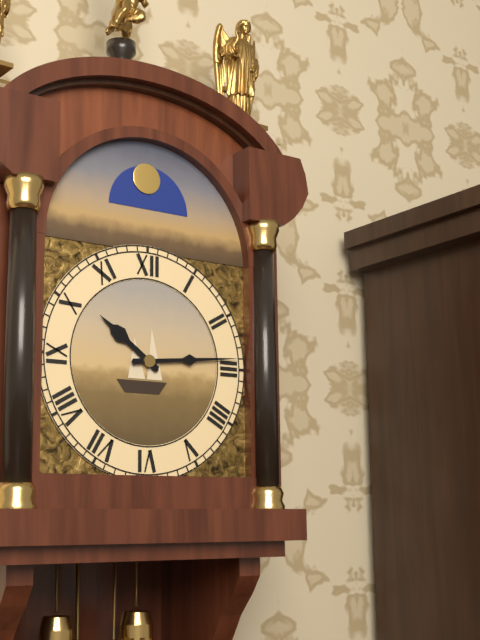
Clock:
{"hour": 10, "minute": 14}
